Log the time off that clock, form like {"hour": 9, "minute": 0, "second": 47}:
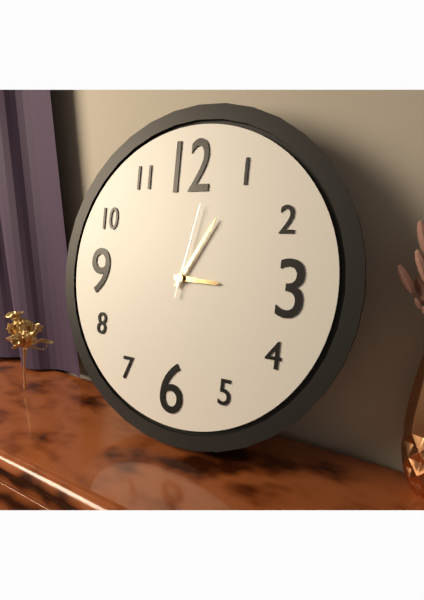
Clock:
{"hour": 3, "minute": 5, "second": 2}
